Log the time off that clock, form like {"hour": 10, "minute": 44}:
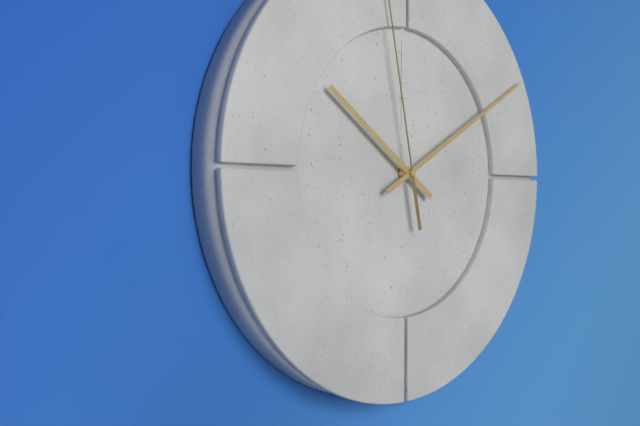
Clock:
{"hour": 10, "minute": 10}
